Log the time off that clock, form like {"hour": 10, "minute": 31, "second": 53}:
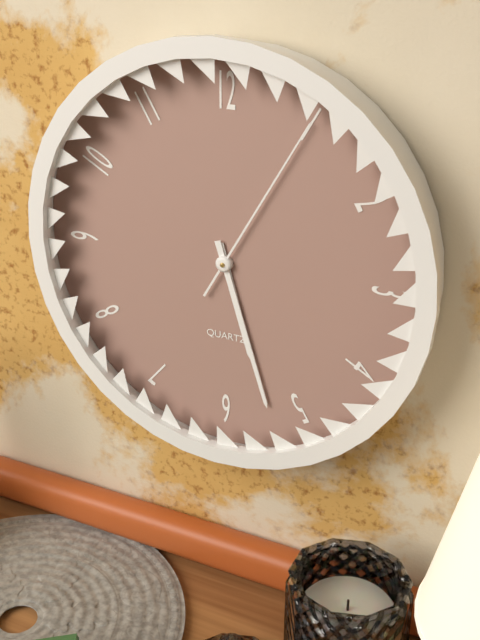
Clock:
{"hour": 5, "minute": 27, "second": 5}
